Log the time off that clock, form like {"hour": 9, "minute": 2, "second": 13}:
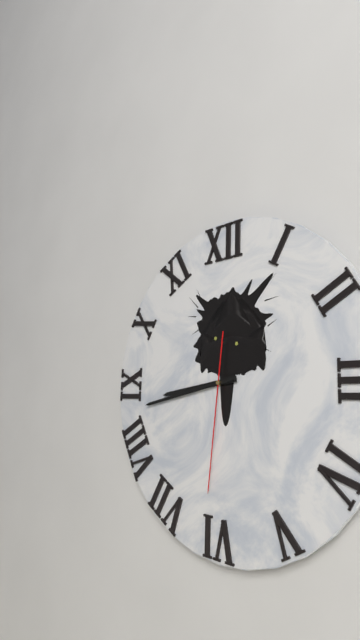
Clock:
{"hour": 8, "minute": 43, "second": 31}
